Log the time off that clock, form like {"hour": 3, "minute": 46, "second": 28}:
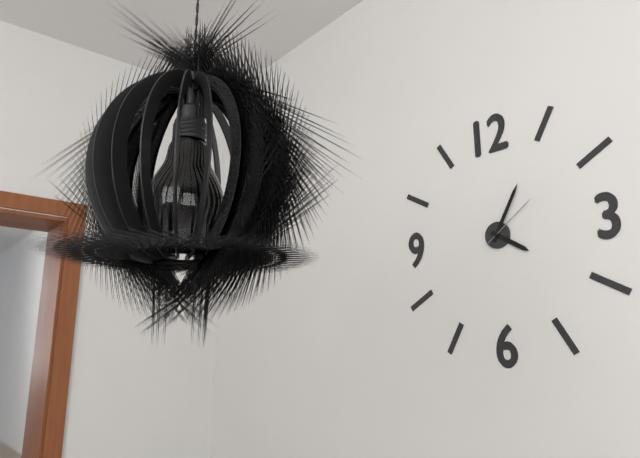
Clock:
{"hour": 4, "minute": 5, "second": 9}
